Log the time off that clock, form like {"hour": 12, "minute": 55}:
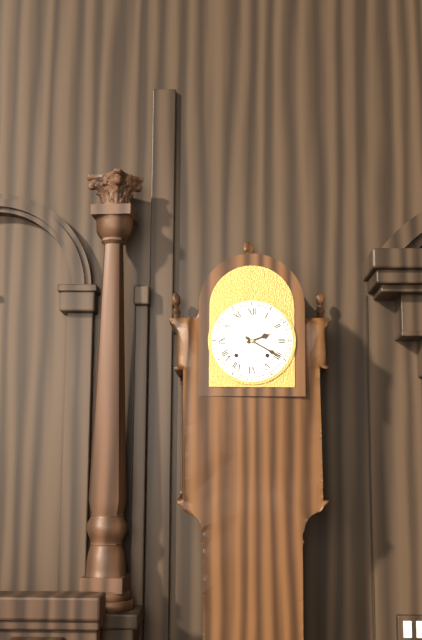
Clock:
{"hour": 2, "minute": 20}
